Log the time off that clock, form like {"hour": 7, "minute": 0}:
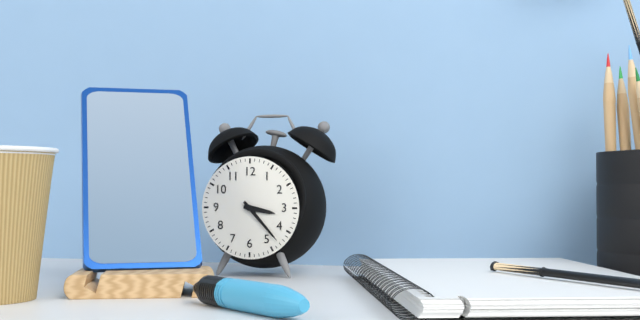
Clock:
{"hour": 3, "minute": 23}
